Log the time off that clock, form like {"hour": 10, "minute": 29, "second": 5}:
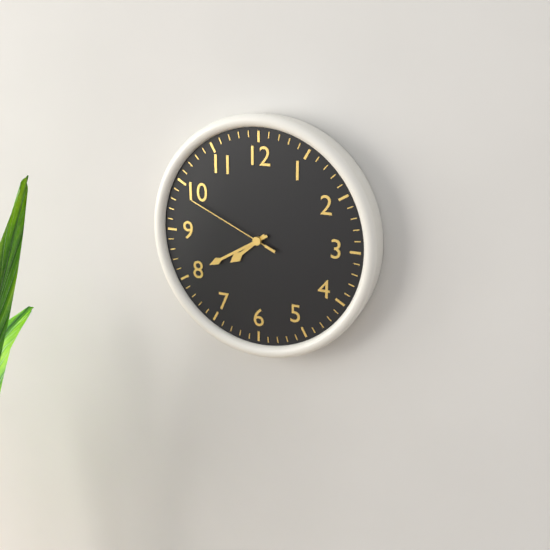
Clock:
{"hour": 7, "minute": 40, "second": 49}
